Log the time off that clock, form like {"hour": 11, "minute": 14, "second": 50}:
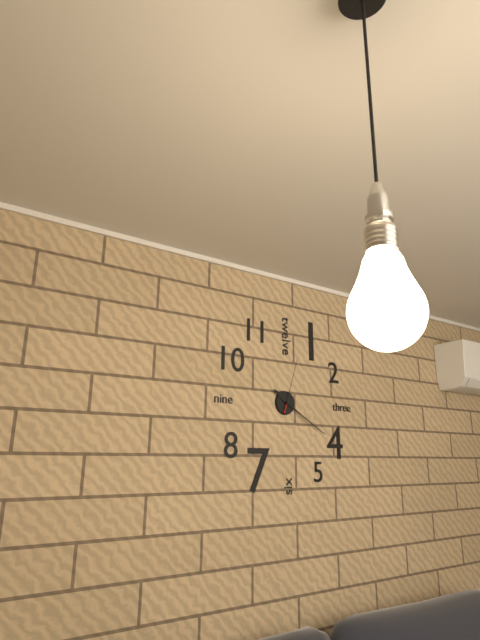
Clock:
{"hour": 10, "minute": 20, "second": 3}
